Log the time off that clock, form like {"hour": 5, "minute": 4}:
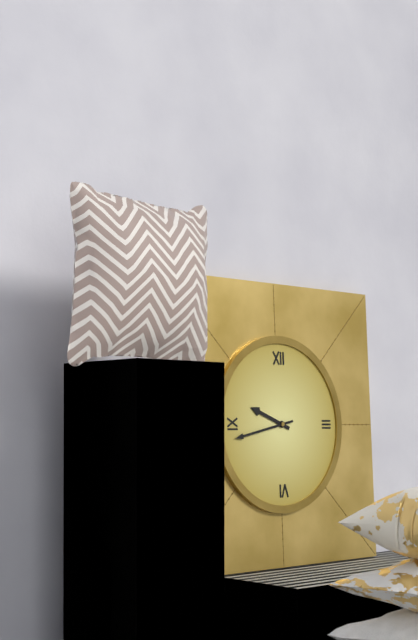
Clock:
{"hour": 9, "minute": 43}
